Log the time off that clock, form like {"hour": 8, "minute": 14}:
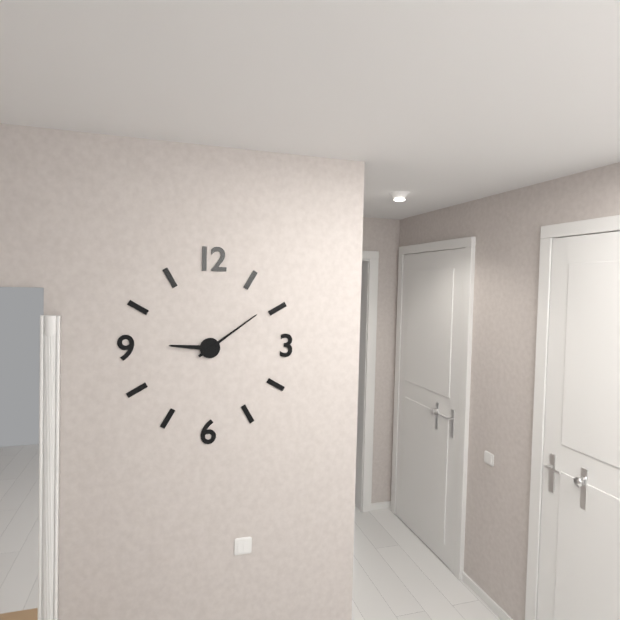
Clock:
{"hour": 9, "minute": 9}
